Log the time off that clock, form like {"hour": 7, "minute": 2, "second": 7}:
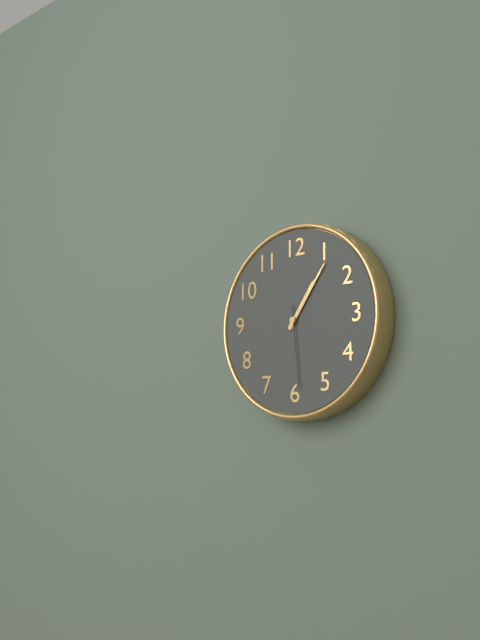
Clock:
{"hour": 1, "minute": 6, "second": 29}
